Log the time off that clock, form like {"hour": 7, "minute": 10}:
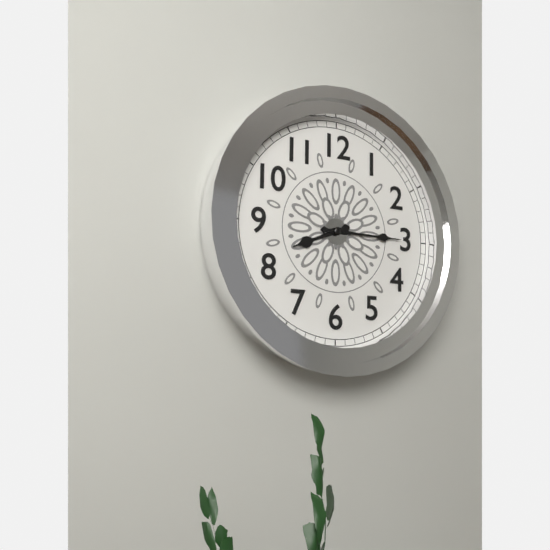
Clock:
{"hour": 8, "minute": 15}
